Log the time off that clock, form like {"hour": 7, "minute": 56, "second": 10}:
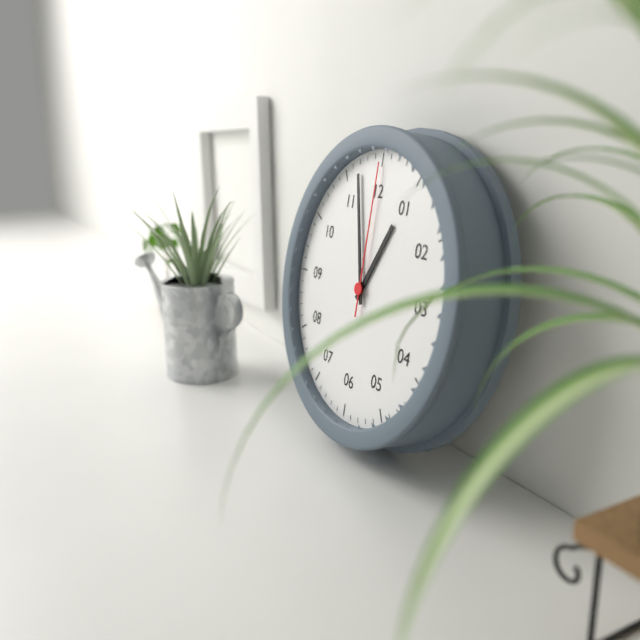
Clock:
{"hour": 12, "minute": 57, "second": 0}
